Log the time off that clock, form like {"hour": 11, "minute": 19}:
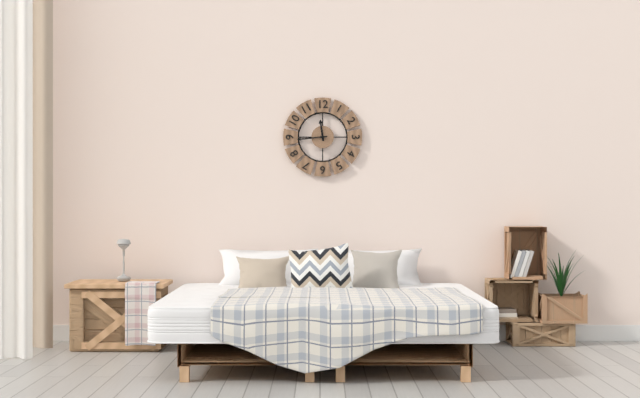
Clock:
{"hour": 11, "minute": 44}
